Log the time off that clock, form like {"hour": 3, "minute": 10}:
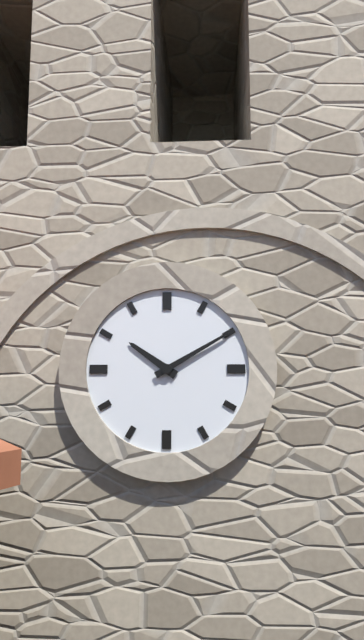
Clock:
{"hour": 10, "minute": 10}
